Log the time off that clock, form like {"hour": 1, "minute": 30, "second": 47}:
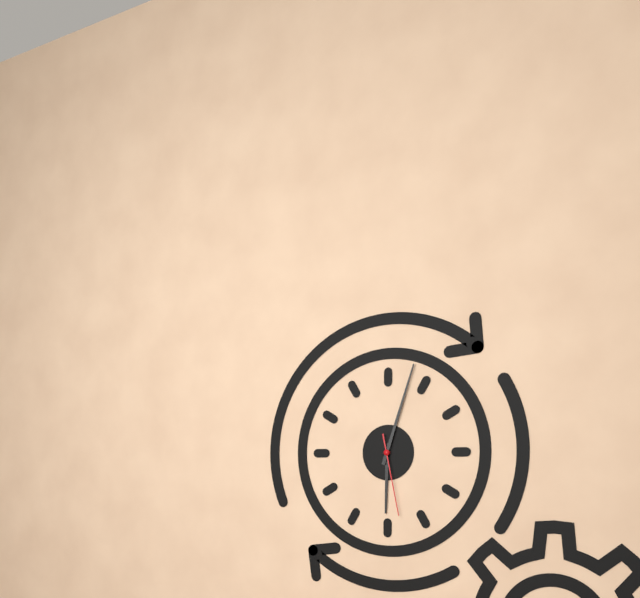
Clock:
{"hour": 6, "minute": 3, "second": 28}
